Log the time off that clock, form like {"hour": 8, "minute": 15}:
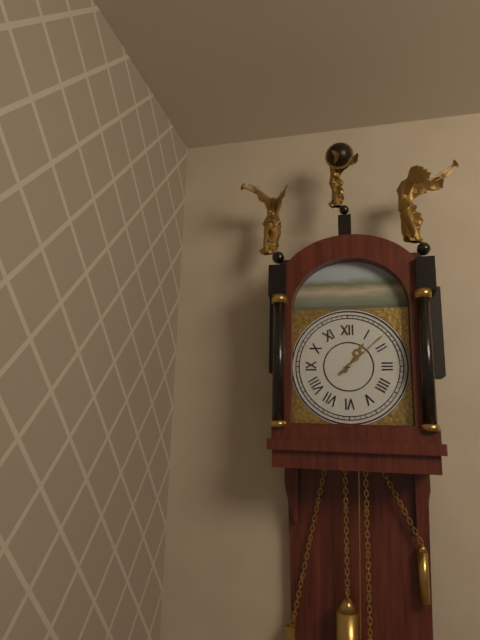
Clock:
{"hour": 1, "minute": 8}
